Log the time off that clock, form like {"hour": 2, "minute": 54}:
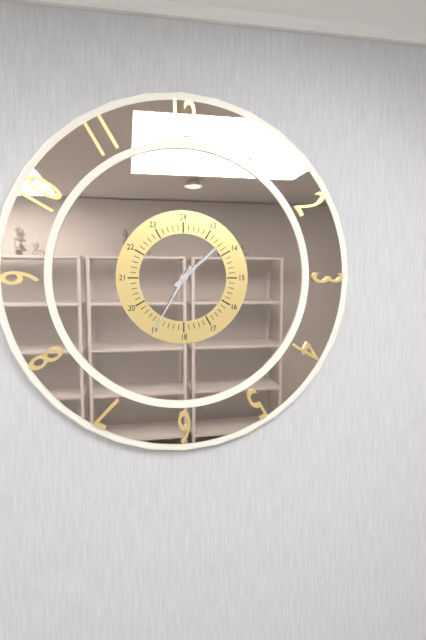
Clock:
{"hour": 1, "minute": 35}
